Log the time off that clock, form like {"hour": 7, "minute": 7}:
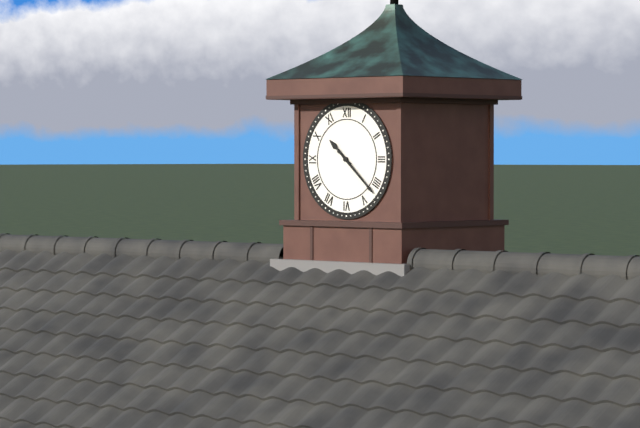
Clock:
{"hour": 10, "minute": 22}
